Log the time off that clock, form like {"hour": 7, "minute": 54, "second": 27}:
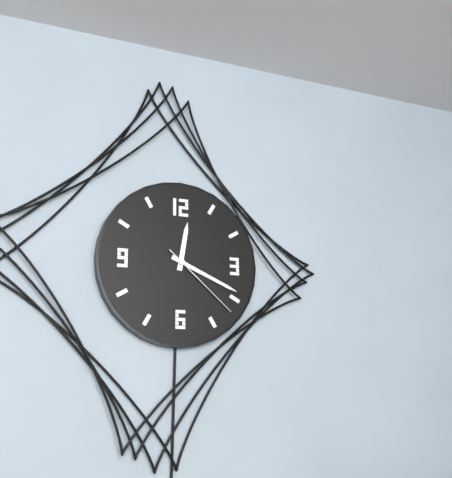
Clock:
{"hour": 12, "minute": 19, "second": 22}
